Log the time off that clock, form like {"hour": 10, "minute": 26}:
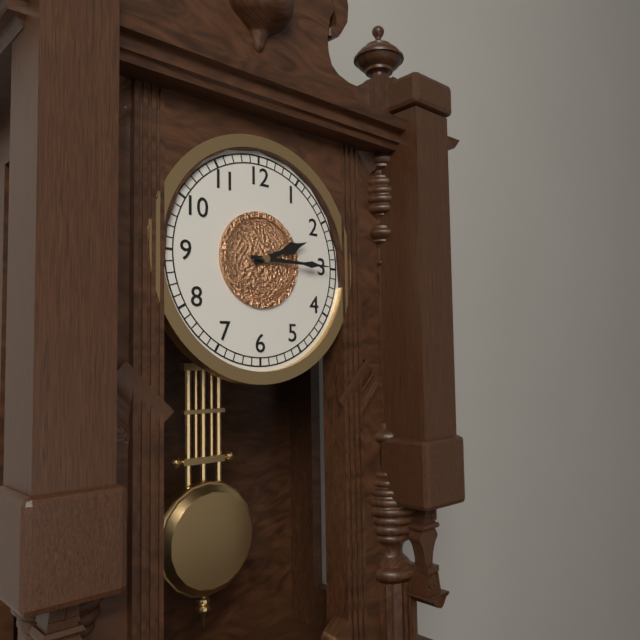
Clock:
{"hour": 2, "minute": 15}
